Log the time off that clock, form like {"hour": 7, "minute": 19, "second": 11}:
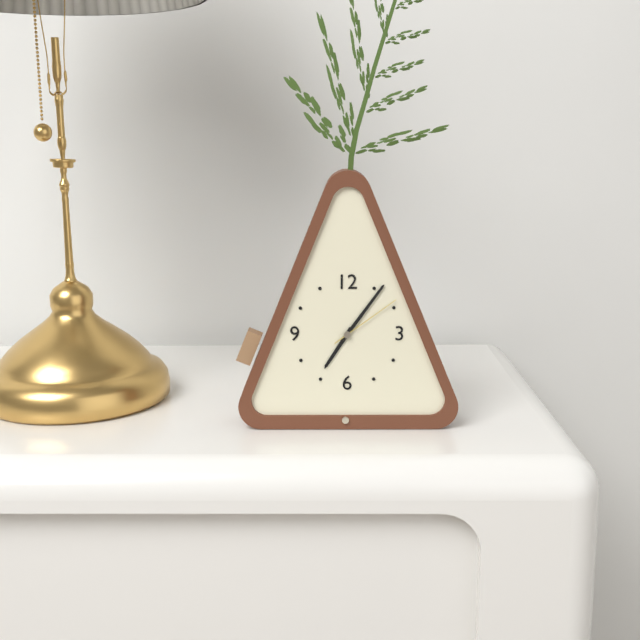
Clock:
{"hour": 7, "minute": 6, "second": 9}
